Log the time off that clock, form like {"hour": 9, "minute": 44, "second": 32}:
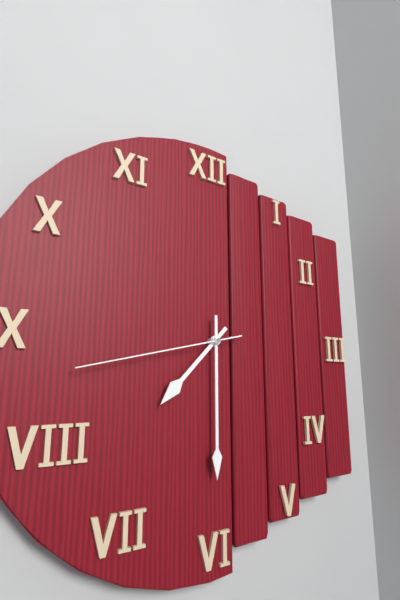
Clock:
{"hour": 7, "minute": 30, "second": 43}
